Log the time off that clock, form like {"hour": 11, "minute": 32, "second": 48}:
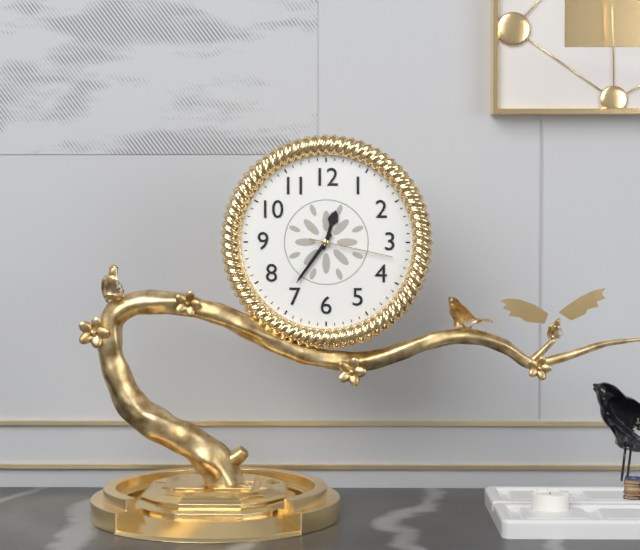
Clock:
{"hour": 12, "minute": 36, "second": 17}
